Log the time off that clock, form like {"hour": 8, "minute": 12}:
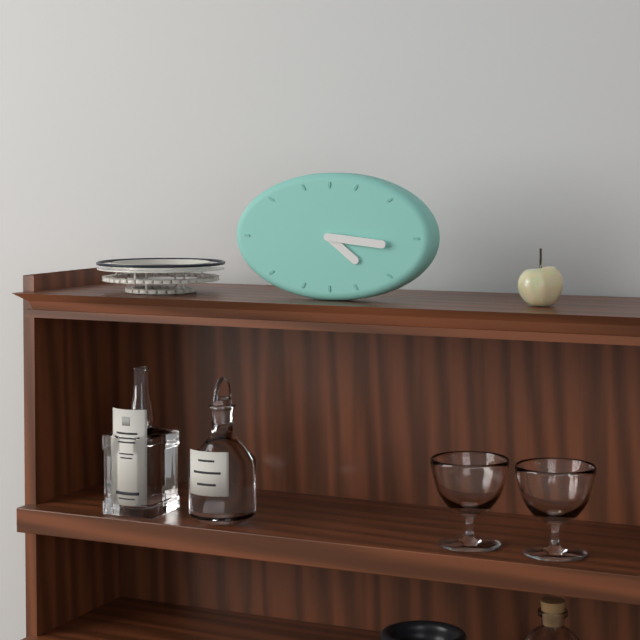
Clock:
{"hour": 4, "minute": 16}
